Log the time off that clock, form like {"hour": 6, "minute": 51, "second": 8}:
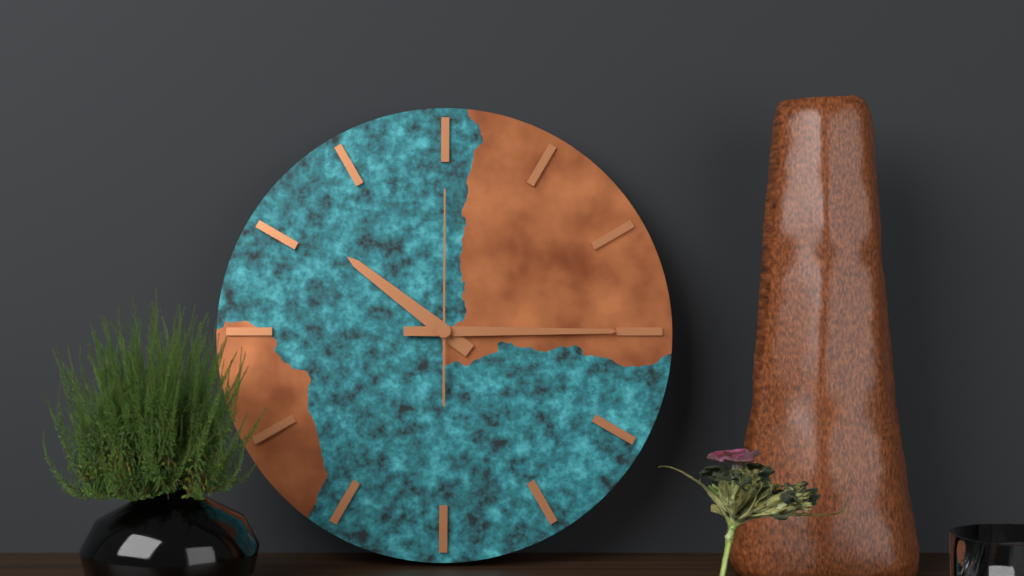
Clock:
{"hour": 10, "minute": 15, "second": 0}
